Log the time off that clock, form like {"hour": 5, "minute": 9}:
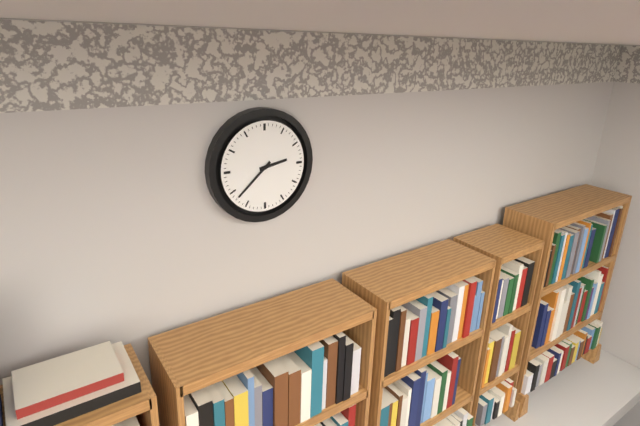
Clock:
{"hour": 2, "minute": 38}
